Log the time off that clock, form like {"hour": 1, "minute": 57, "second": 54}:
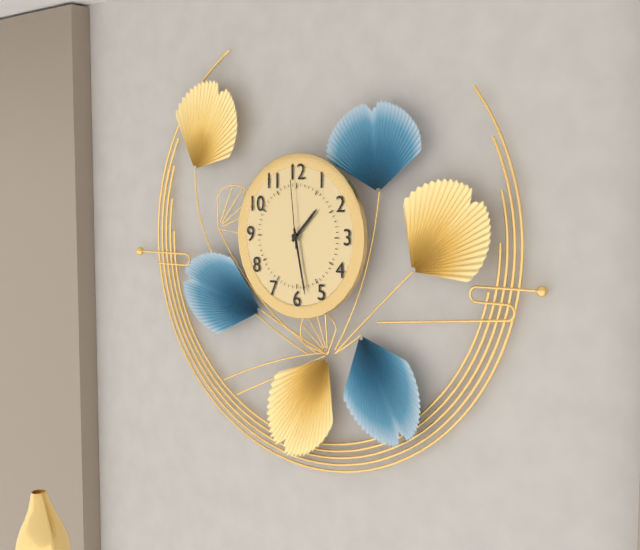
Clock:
{"hour": 1, "minute": 28, "second": 59}
